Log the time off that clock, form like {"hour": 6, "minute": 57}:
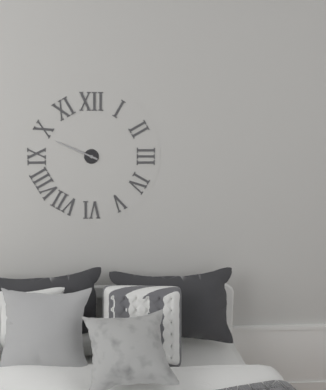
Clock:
{"hour": 9, "minute": 49}
